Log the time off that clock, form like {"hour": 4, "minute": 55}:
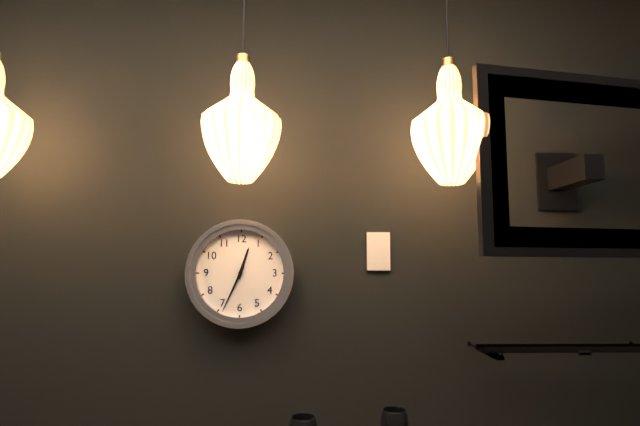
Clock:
{"hour": 12, "minute": 34}
